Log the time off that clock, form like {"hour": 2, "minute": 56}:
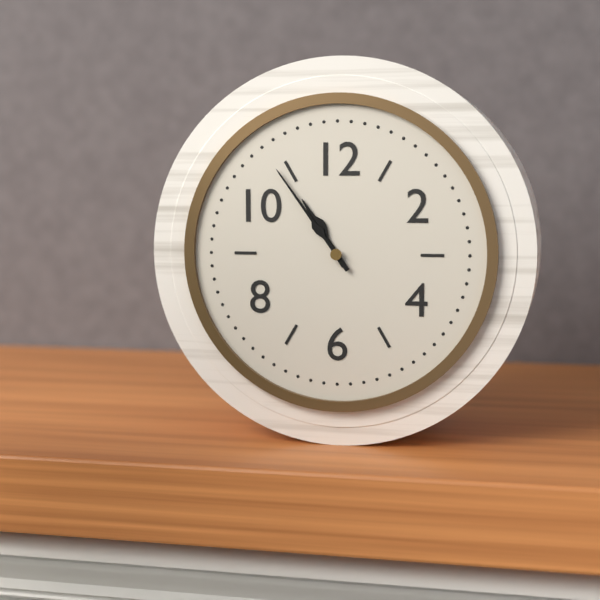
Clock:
{"hour": 10, "minute": 54}
